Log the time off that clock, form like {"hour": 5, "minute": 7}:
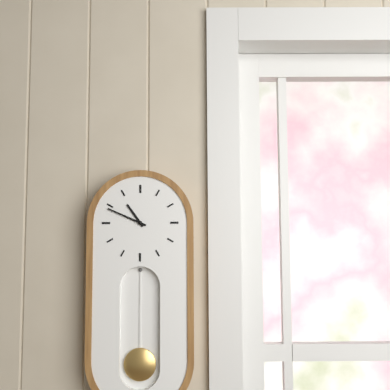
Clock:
{"hour": 10, "minute": 49}
